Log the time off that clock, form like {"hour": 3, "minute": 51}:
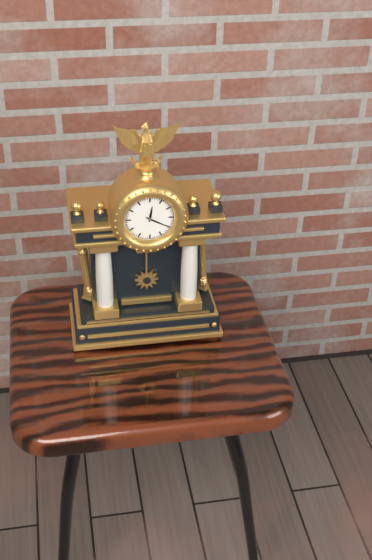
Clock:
{"hour": 12, "minute": 20}
